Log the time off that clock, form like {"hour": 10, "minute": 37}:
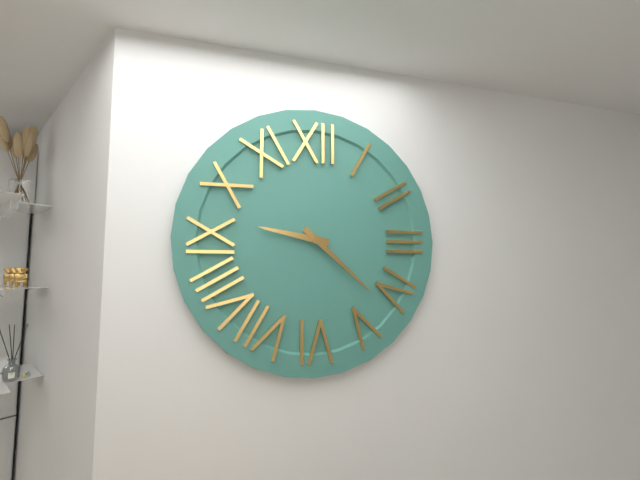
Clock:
{"hour": 9, "minute": 22}
